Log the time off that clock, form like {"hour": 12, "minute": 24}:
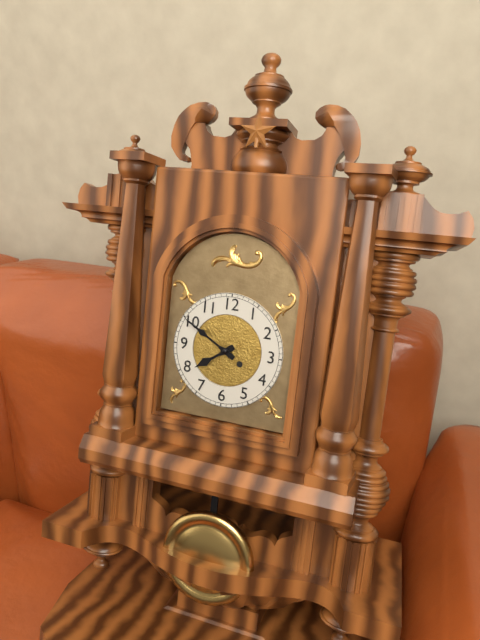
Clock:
{"hour": 7, "minute": 50}
